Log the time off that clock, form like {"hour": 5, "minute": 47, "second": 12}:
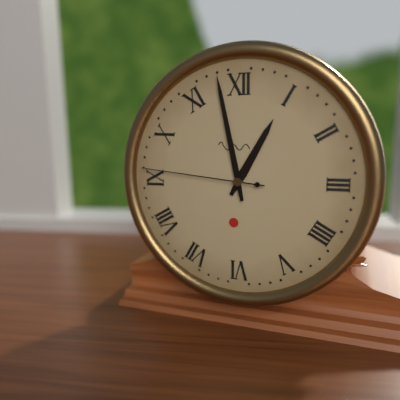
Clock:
{"hour": 12, "minute": 58, "second": 46}
